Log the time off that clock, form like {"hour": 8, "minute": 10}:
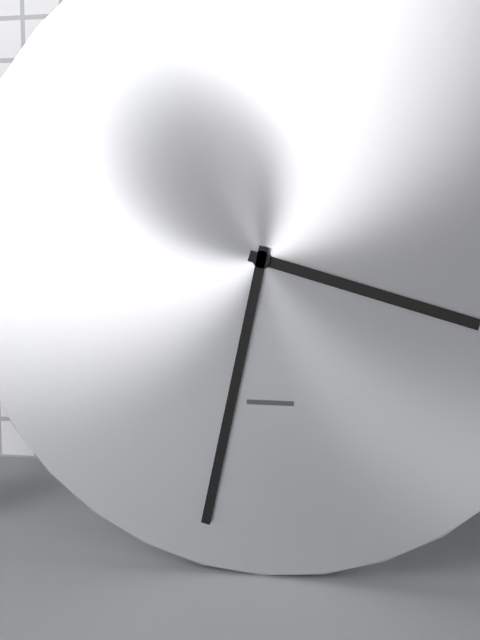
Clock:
{"hour": 3, "minute": 32}
